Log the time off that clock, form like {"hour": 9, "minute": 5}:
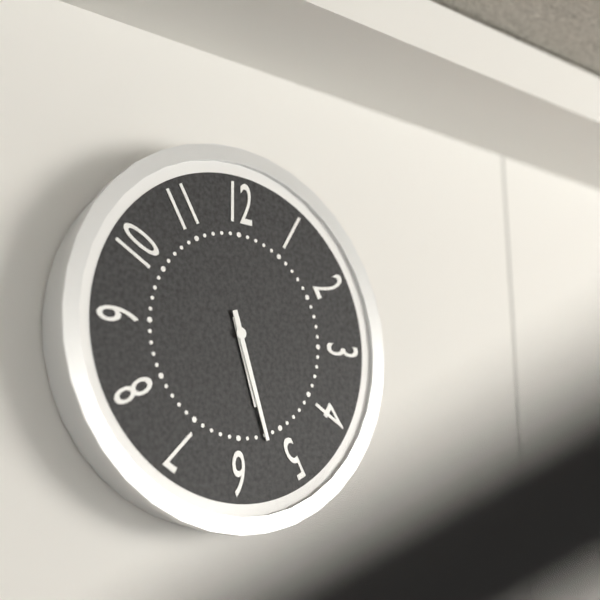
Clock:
{"hour": 5, "minute": 27}
